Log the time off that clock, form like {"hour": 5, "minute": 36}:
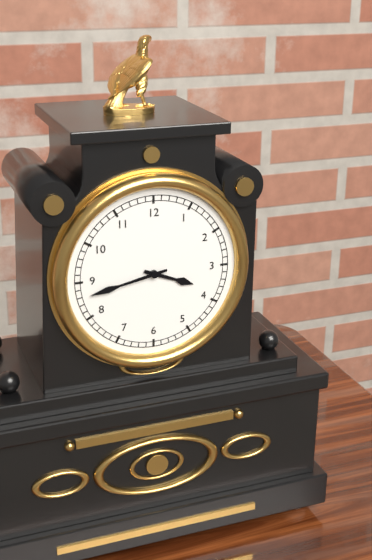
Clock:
{"hour": 3, "minute": 43}
